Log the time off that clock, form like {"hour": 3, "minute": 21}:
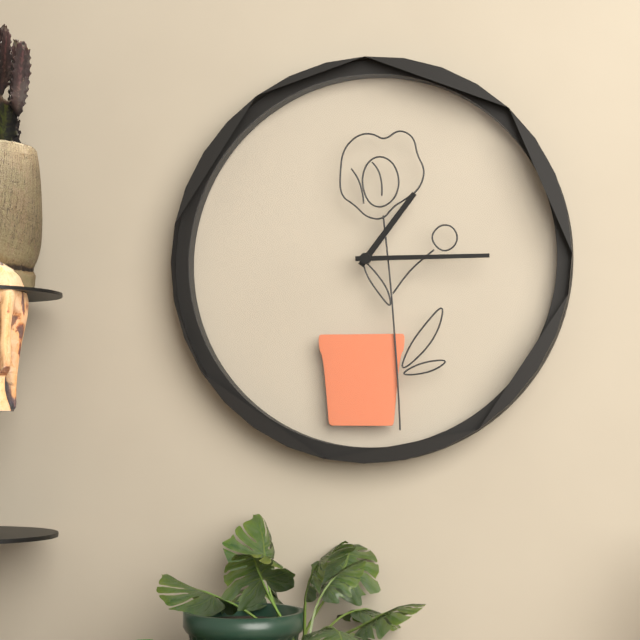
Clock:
{"hour": 1, "minute": 15}
